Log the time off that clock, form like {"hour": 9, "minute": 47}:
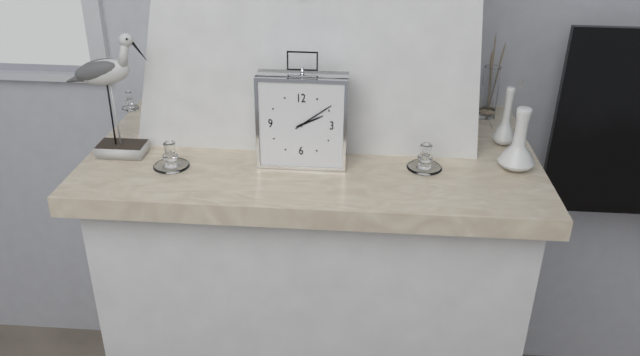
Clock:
{"hour": 2, "minute": 9}
